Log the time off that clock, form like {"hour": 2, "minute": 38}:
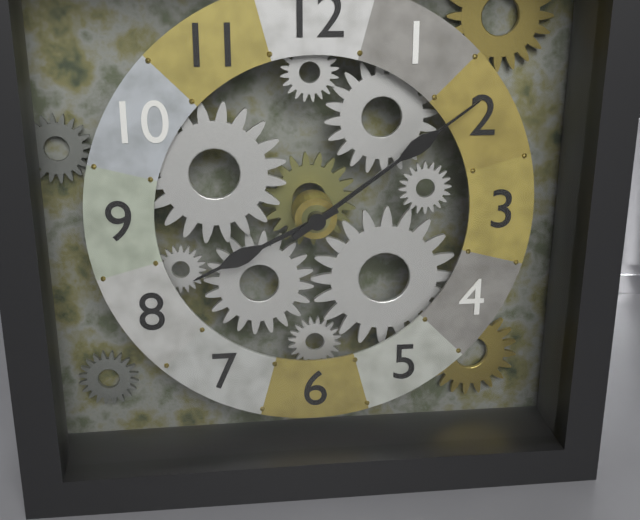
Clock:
{"hour": 8, "minute": 9}
